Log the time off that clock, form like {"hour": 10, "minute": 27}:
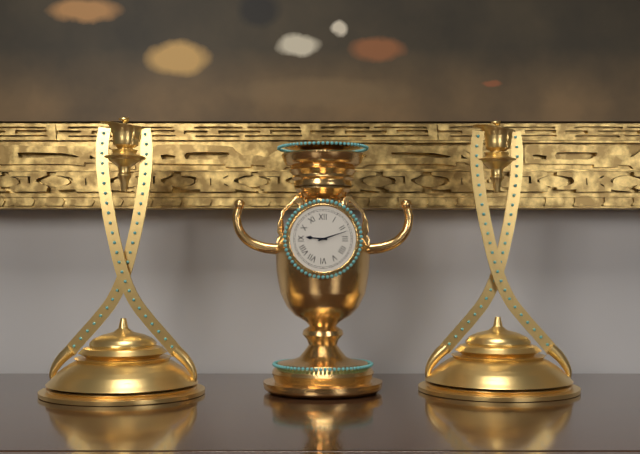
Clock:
{"hour": 9, "minute": 12}
